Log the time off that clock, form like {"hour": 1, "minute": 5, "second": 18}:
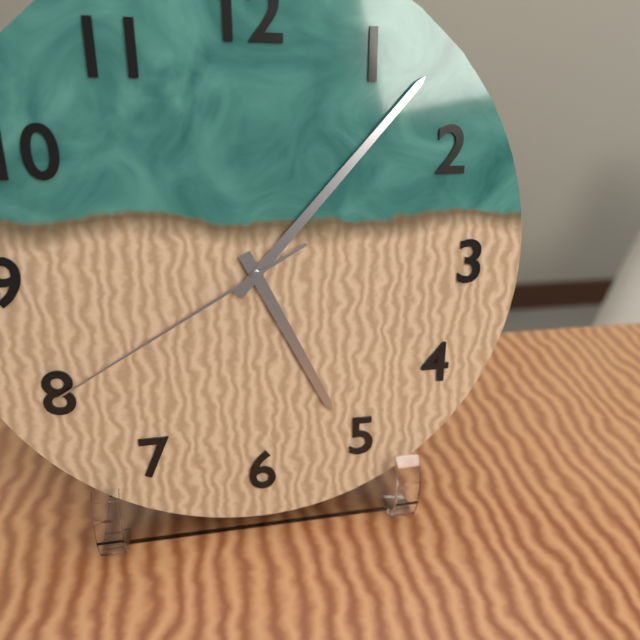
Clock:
{"hour": 5, "minute": 7, "second": 40}
